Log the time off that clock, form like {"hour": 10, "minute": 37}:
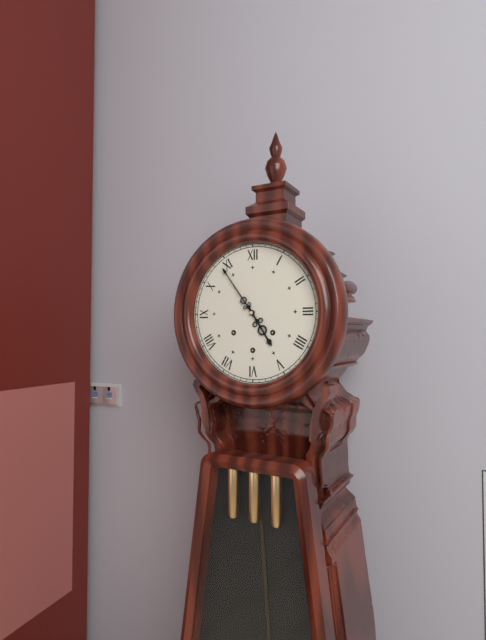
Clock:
{"hour": 4, "minute": 54}
